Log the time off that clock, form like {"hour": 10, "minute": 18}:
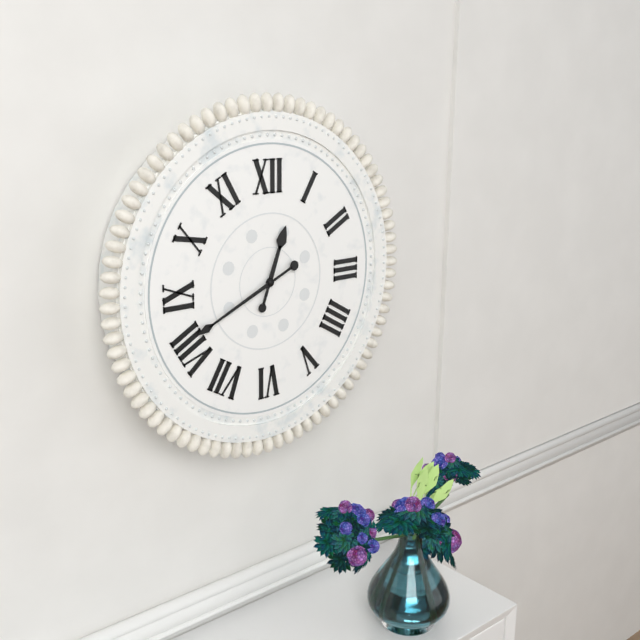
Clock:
{"hour": 12, "minute": 41}
